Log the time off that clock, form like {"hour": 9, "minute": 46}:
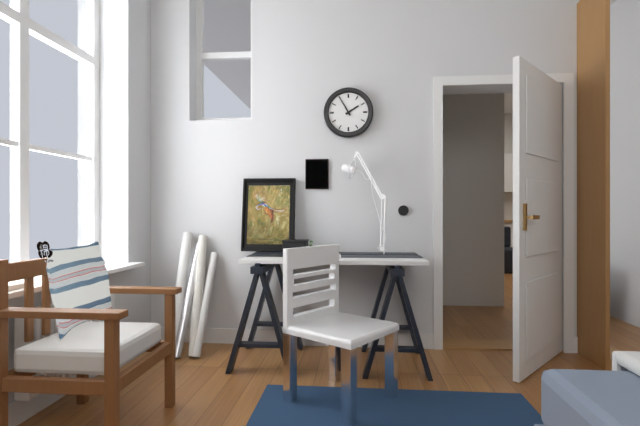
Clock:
{"hour": 1, "minute": 55}
